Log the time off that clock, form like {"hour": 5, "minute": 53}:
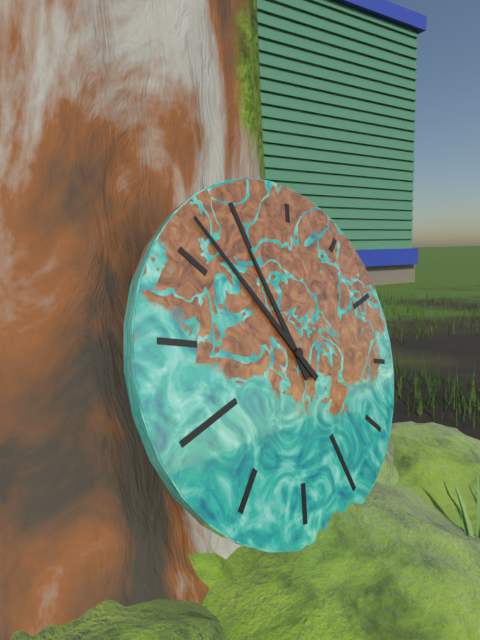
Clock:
{"hour": 11, "minute": 57}
